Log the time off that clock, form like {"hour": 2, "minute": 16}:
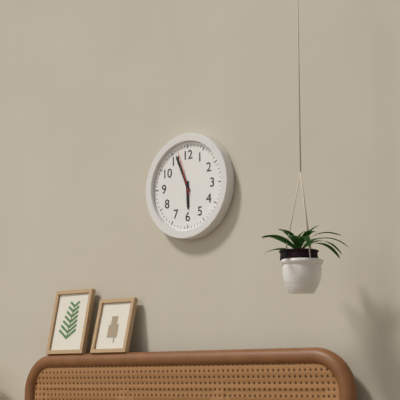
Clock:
{"hour": 5, "minute": 56}
